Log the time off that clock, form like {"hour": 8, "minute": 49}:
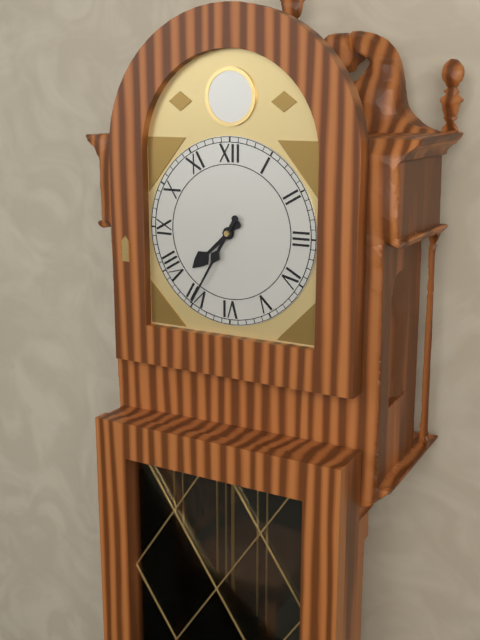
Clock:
{"hour": 7, "minute": 35}
